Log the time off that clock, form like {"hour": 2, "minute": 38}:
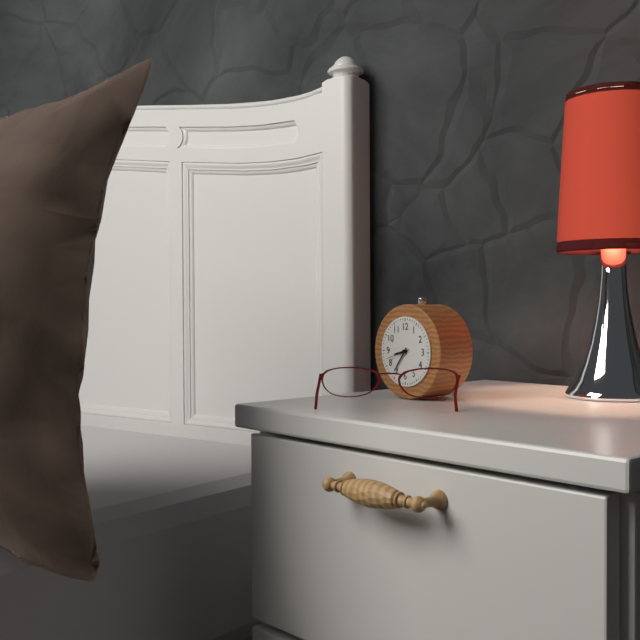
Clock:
{"hour": 8, "minute": 36}
